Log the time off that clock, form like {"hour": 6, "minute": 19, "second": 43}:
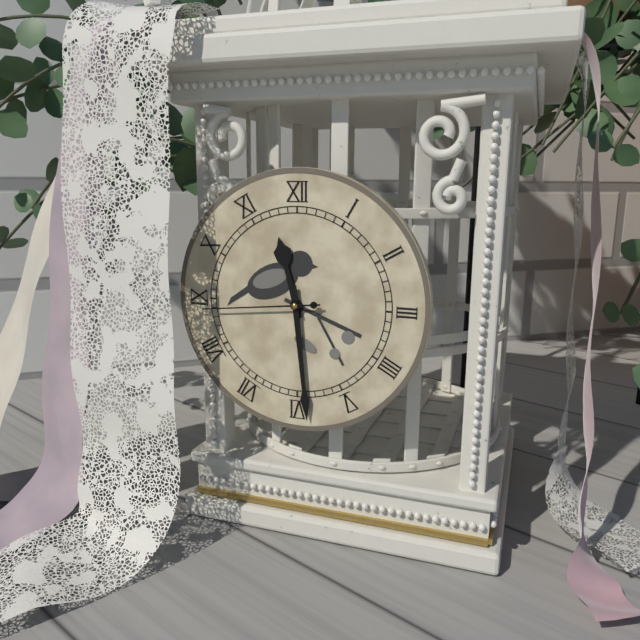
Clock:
{"hour": 11, "minute": 29, "second": 44}
